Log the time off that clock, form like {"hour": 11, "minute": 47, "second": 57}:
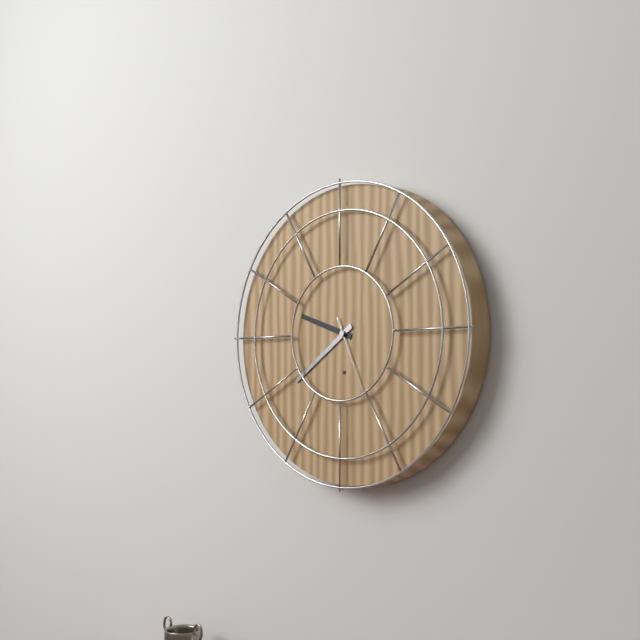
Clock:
{"hour": 9, "minute": 39, "second": 26}
